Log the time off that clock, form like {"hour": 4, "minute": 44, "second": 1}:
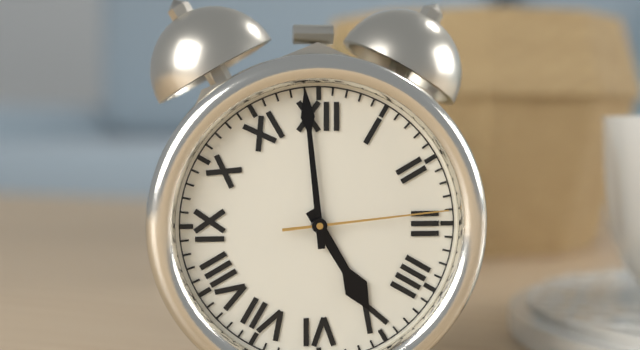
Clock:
{"hour": 4, "minute": 59, "second": 14}
